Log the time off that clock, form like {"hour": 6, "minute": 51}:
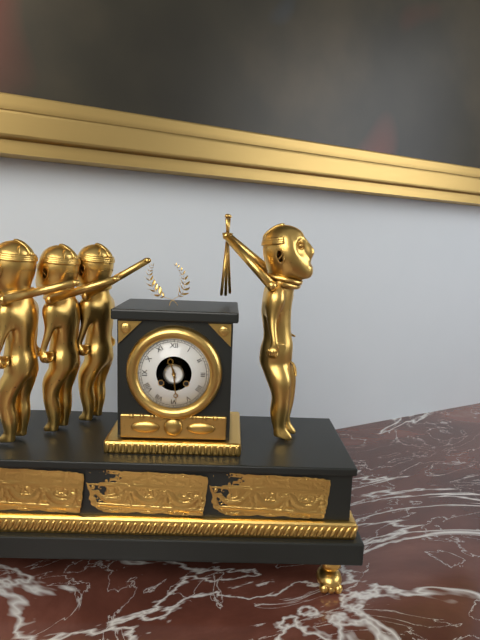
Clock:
{"hour": 11, "minute": 29}
